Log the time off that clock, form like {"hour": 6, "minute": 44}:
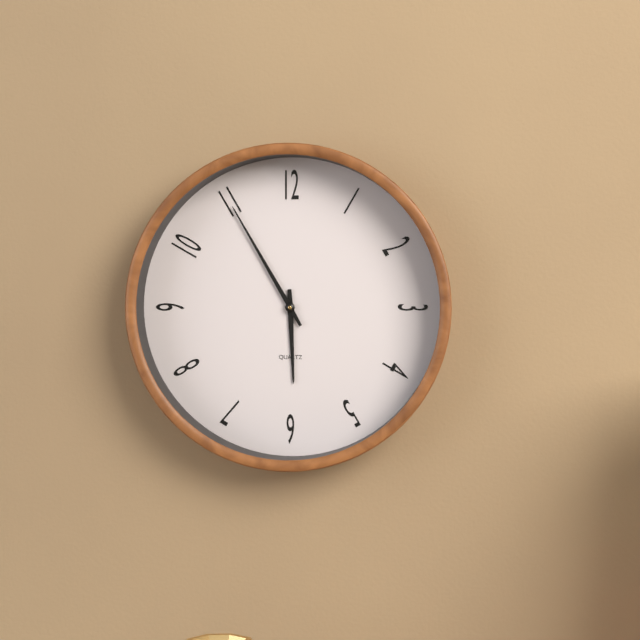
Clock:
{"hour": 5, "minute": 55}
